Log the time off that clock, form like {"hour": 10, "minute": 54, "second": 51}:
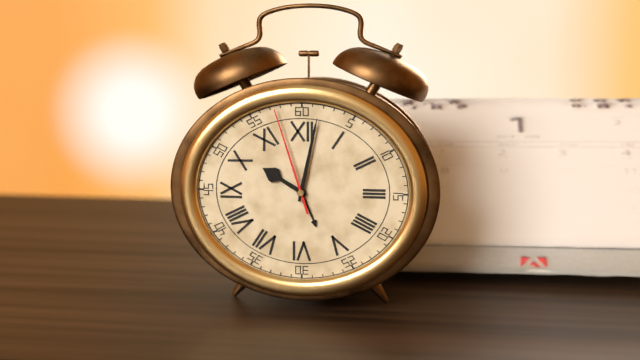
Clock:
{"hour": 10, "minute": 2, "second": 57}
